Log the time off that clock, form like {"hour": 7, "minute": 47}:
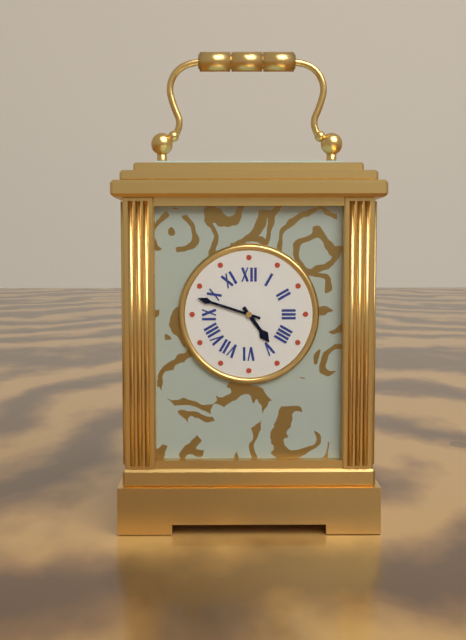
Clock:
{"hour": 4, "minute": 48}
